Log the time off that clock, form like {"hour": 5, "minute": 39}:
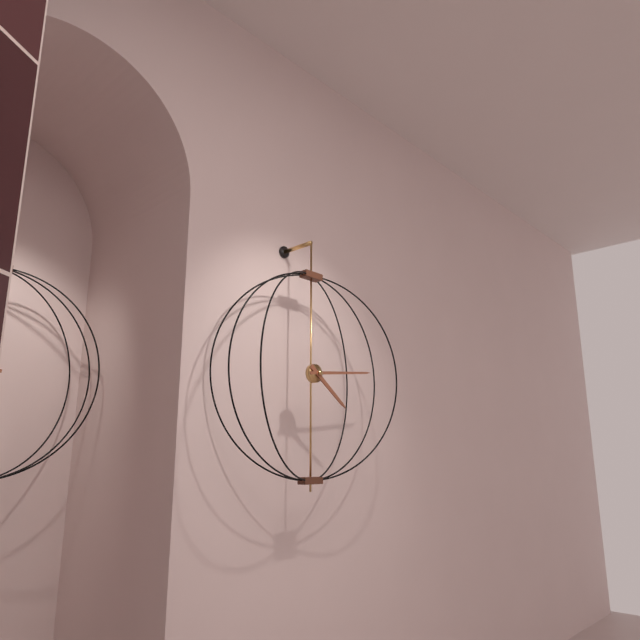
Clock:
{"hour": 4, "minute": 14}
